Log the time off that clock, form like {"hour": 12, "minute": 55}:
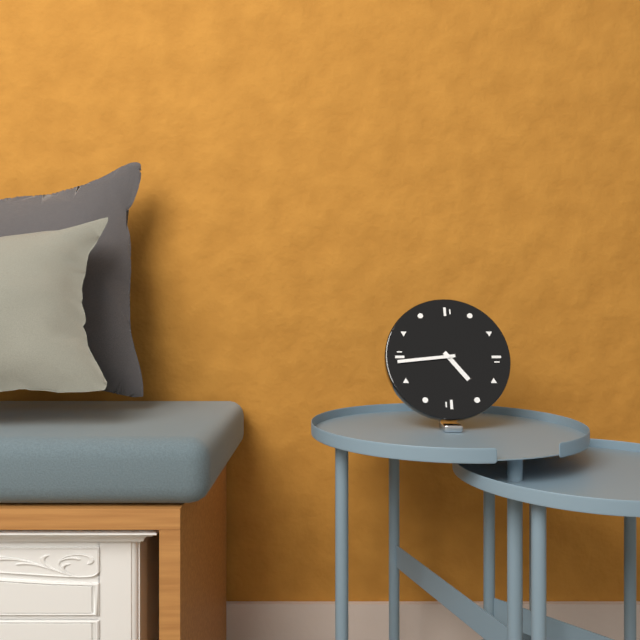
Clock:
{"hour": 4, "minute": 44}
